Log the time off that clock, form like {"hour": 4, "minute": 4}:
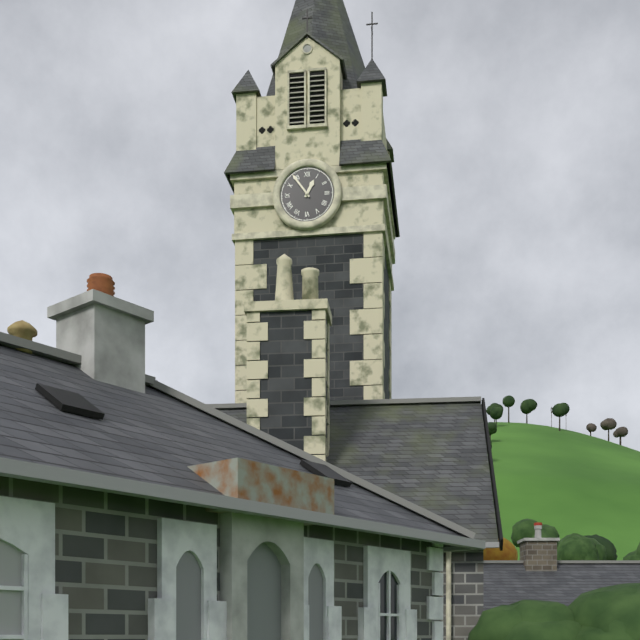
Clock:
{"hour": 12, "minute": 54}
